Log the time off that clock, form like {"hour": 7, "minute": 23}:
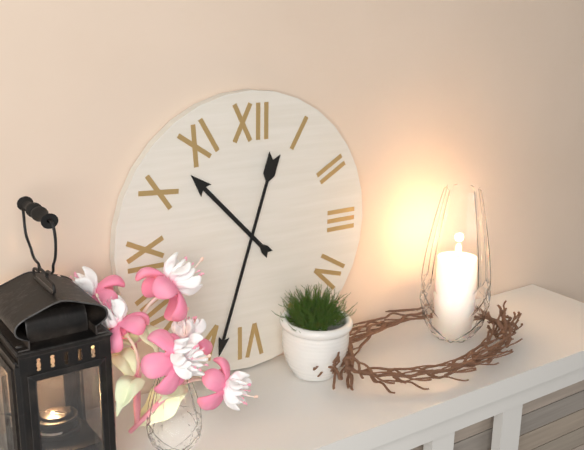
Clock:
{"hour": 10, "minute": 33}
